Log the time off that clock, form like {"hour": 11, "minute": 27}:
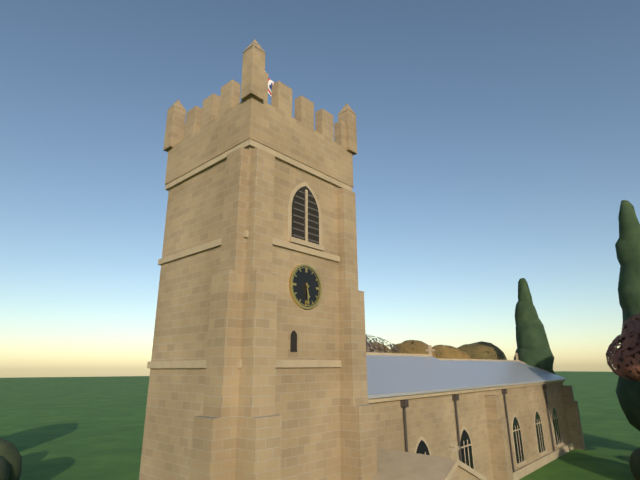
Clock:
{"hour": 5, "minute": 29}
